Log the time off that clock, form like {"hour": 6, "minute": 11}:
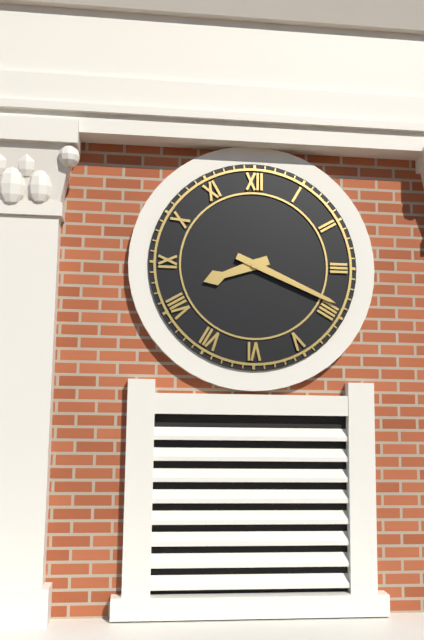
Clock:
{"hour": 8, "minute": 19}
